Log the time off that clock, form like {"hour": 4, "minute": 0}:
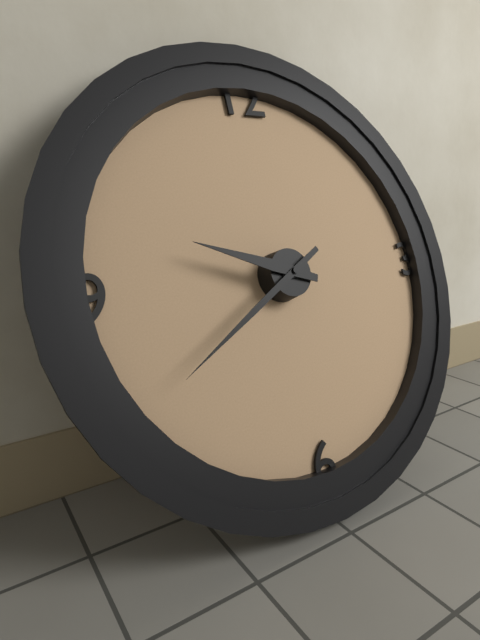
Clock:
{"hour": 9, "minute": 40}
